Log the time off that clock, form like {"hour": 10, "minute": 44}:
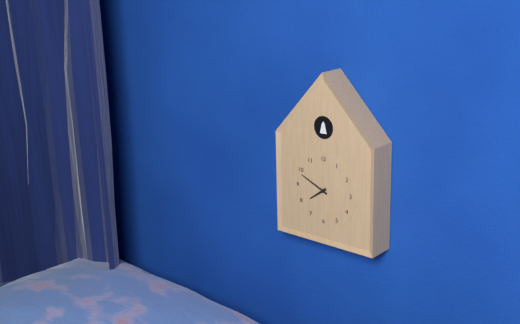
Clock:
{"hour": 7, "minute": 49}
